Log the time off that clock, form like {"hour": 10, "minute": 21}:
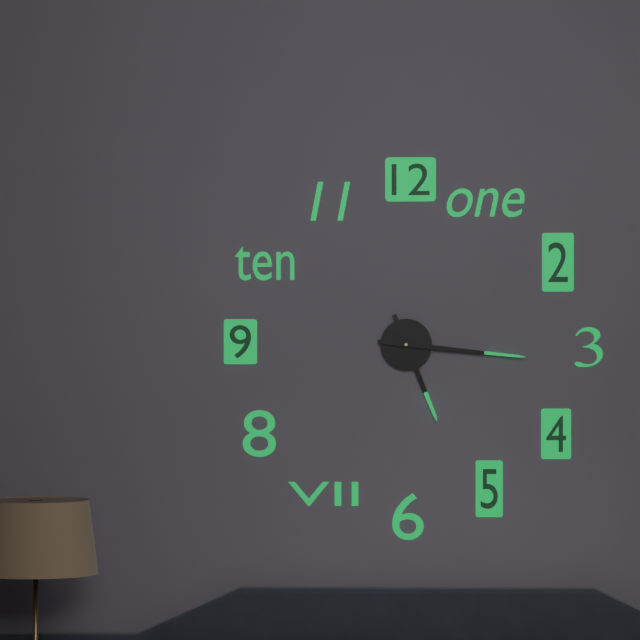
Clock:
{"hour": 5, "minute": 16}
